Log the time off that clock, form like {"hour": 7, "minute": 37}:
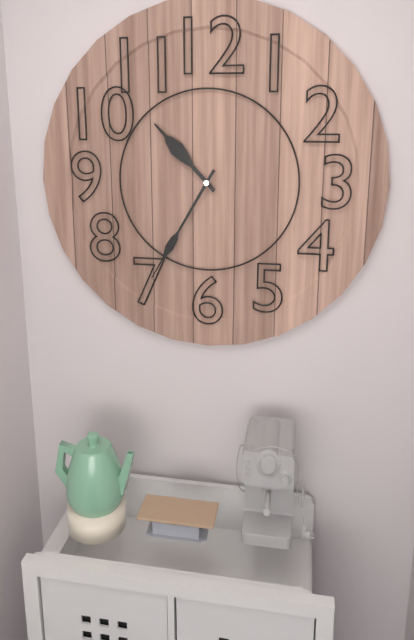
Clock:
{"hour": 10, "minute": 35}
